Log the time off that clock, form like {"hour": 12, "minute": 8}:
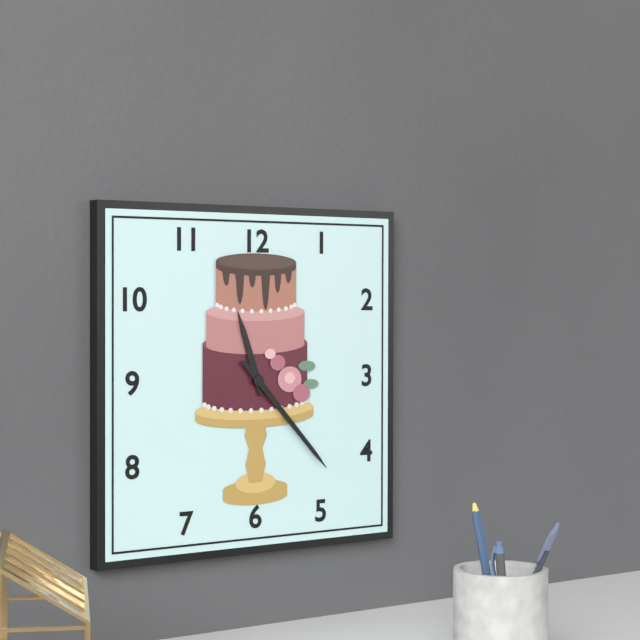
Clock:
{"hour": 11, "minute": 23}
